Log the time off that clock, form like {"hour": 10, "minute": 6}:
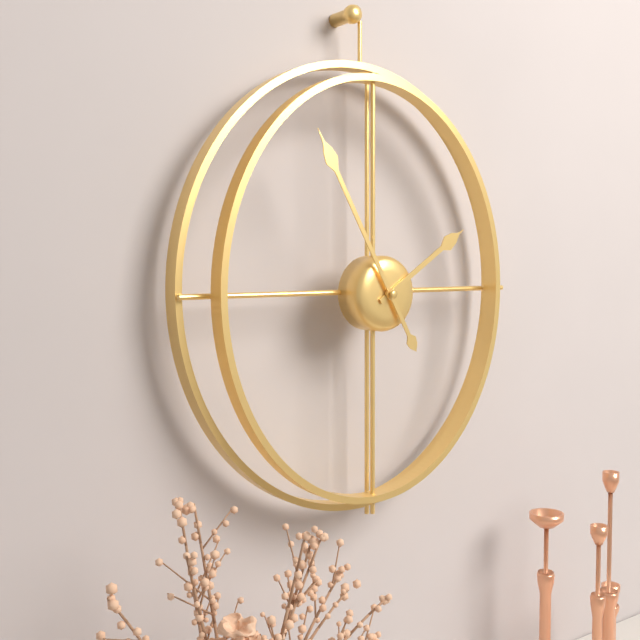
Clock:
{"hour": 1, "minute": 55}
